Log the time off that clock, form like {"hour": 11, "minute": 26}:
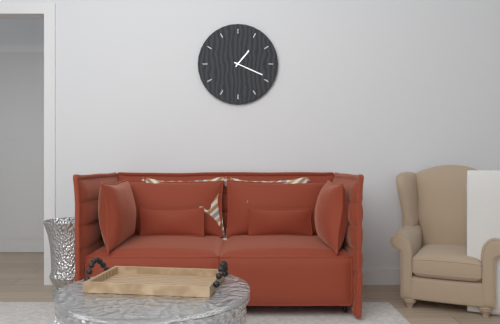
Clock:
{"hour": 1, "minute": 19}
